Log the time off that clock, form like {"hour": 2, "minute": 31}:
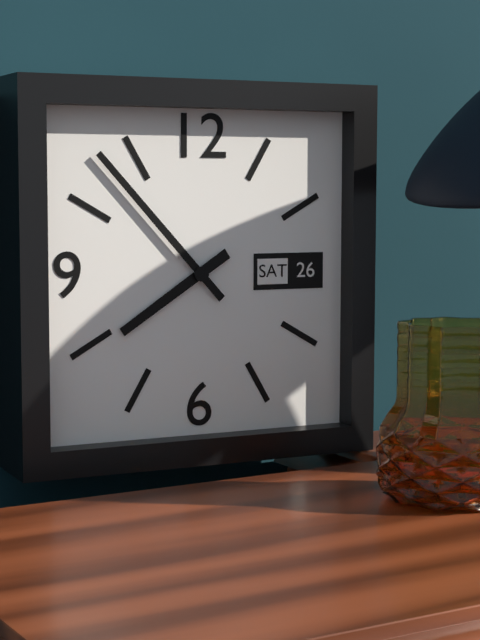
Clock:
{"hour": 7, "minute": 53}
